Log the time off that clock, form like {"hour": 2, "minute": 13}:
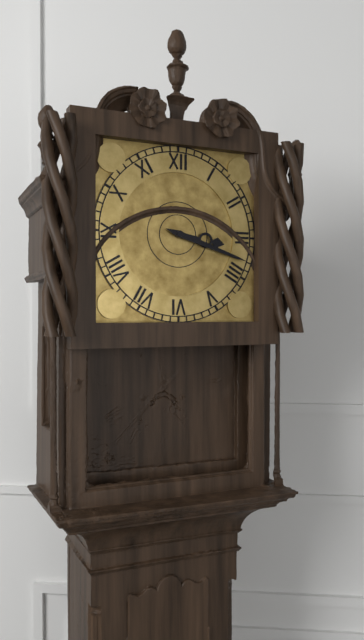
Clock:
{"hour": 3, "minute": 18}
